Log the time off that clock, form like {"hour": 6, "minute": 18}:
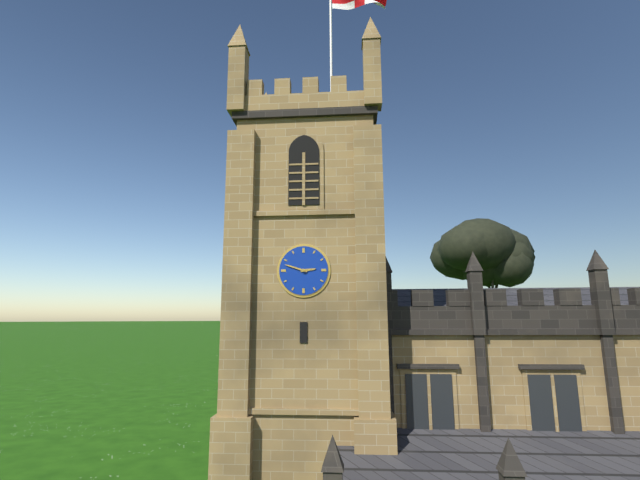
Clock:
{"hour": 2, "minute": 48}
